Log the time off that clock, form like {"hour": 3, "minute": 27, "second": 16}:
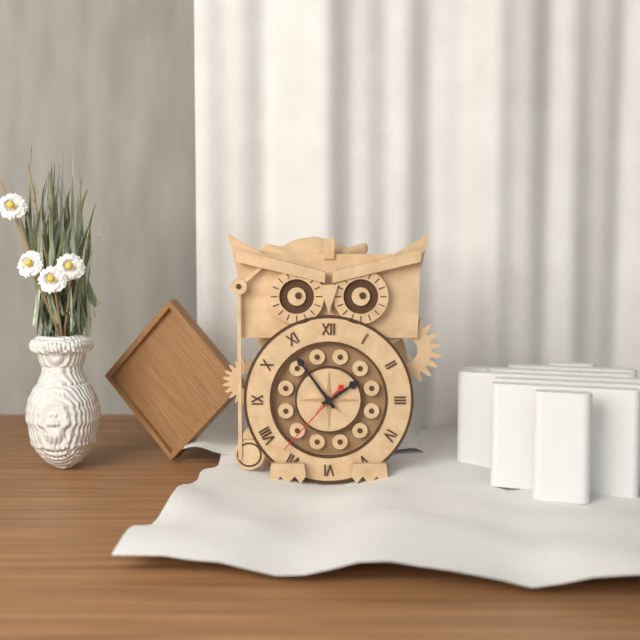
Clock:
{"hour": 1, "minute": 54, "second": 37}
